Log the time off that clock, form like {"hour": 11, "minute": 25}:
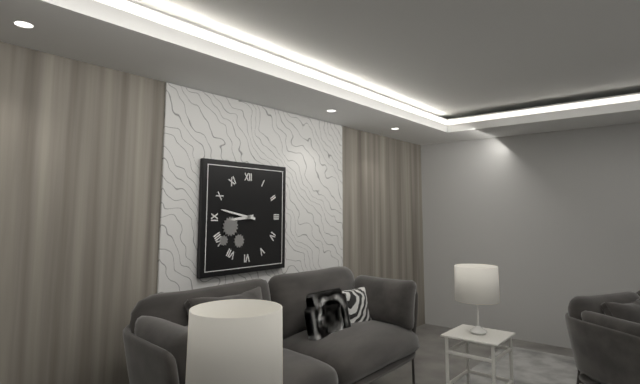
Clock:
{"hour": 8, "minute": 47}
